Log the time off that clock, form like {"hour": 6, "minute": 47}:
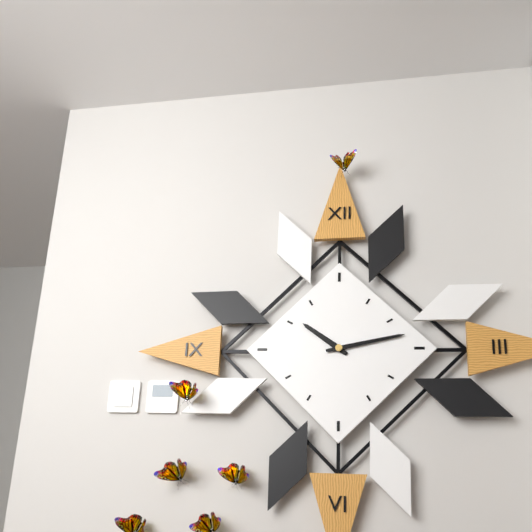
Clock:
{"hour": 10, "minute": 13}
